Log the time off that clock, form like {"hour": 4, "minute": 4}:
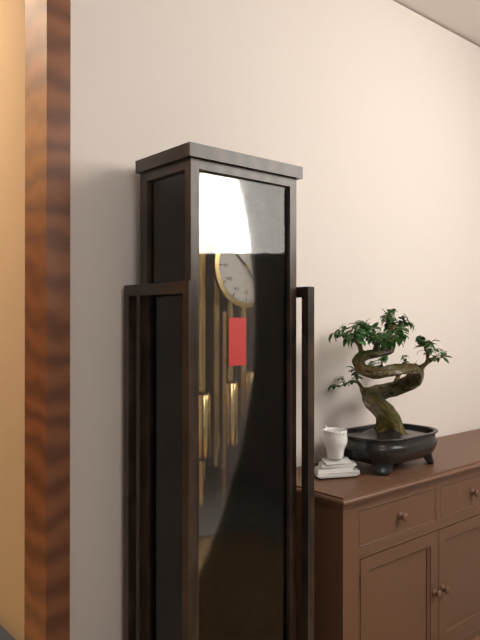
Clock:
{"hour": 10, "minute": 24}
